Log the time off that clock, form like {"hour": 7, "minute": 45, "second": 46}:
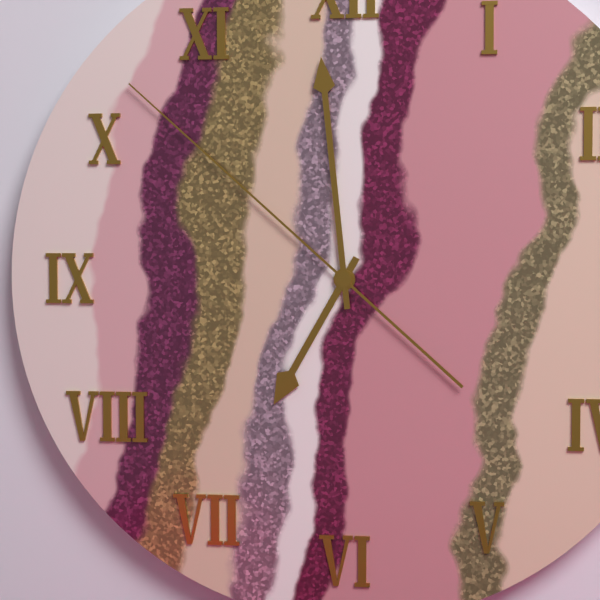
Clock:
{"hour": 6, "minute": 59, "second": 52}
